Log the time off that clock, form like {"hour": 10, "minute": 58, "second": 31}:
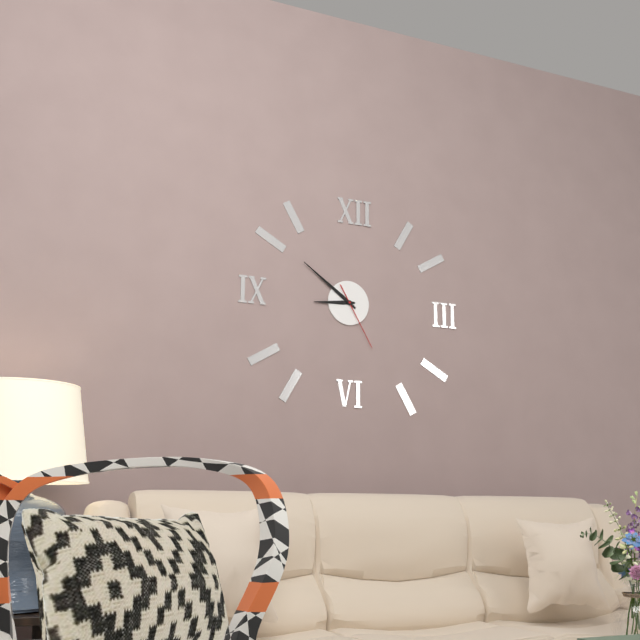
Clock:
{"hour": 8, "minute": 51, "second": 25}
